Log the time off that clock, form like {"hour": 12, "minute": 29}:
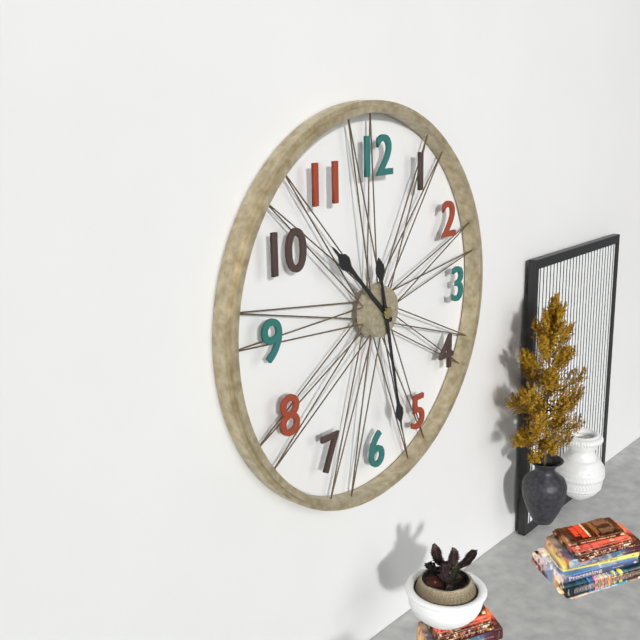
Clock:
{"hour": 10, "minute": 28}
